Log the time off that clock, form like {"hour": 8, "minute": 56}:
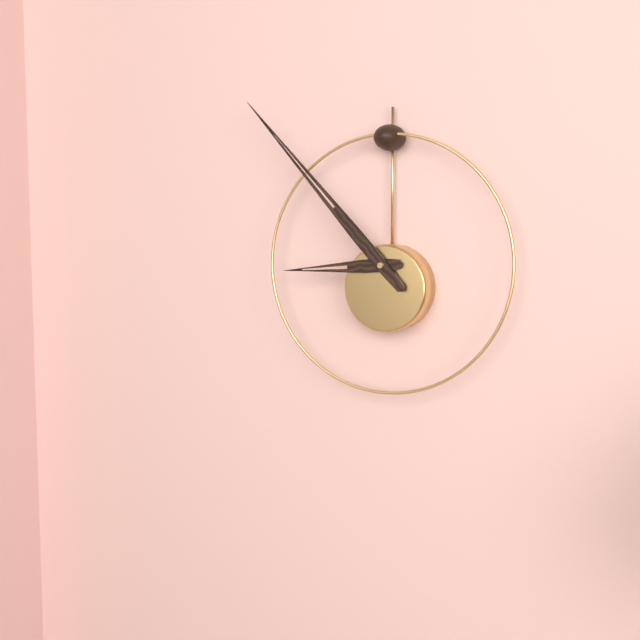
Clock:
{"hour": 8, "minute": 53}
